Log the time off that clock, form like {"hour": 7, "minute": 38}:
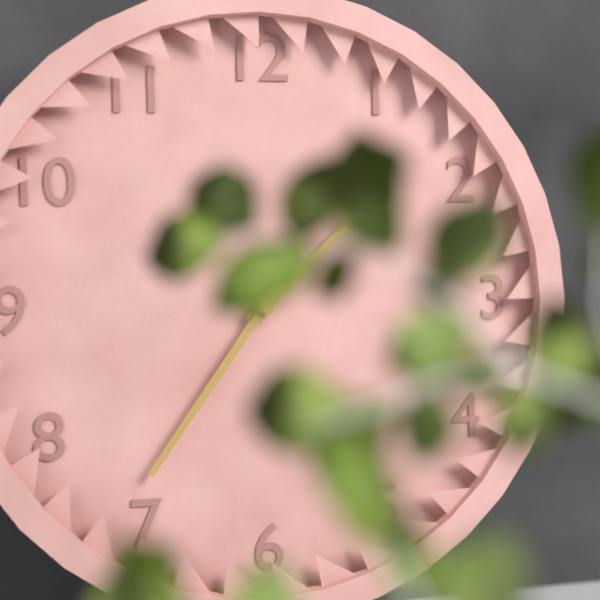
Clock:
{"hour": 1, "minute": 36}
